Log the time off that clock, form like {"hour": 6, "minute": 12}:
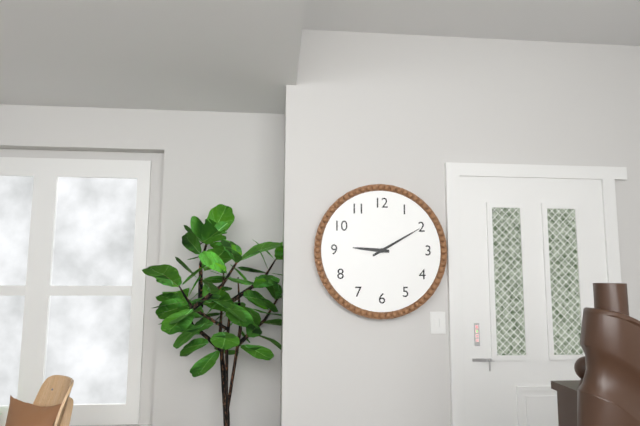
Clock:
{"hour": 9, "minute": 10}
